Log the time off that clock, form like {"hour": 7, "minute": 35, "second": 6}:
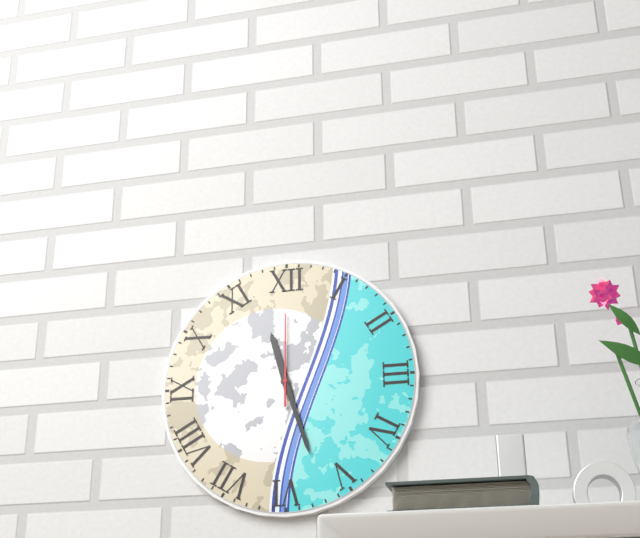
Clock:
{"hour": 11, "minute": 27, "second": 0}
